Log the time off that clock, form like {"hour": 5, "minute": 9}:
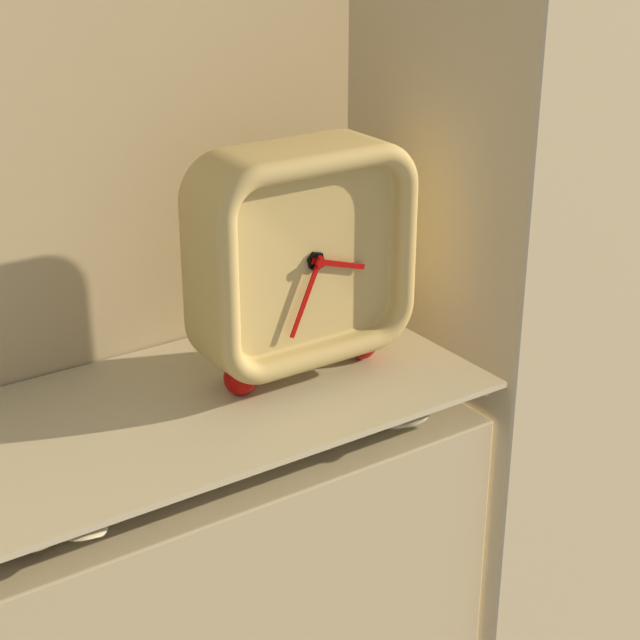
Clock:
{"hour": 3, "minute": 34}
